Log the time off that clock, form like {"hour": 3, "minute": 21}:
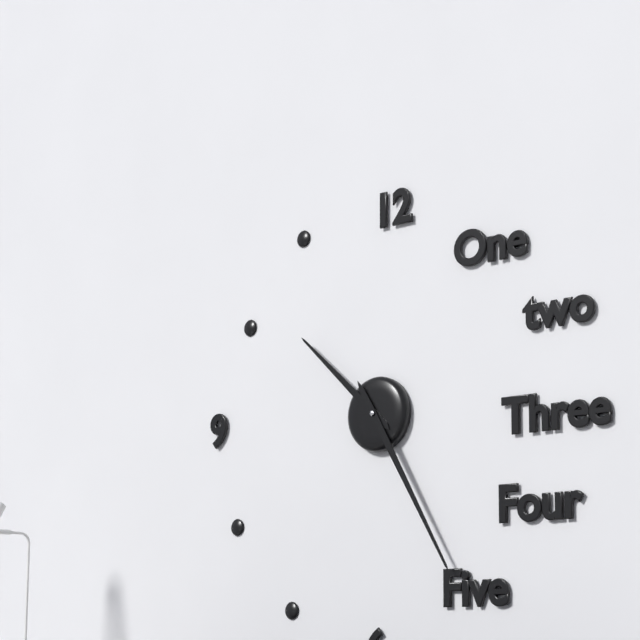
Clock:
{"hour": 10, "minute": 25}
